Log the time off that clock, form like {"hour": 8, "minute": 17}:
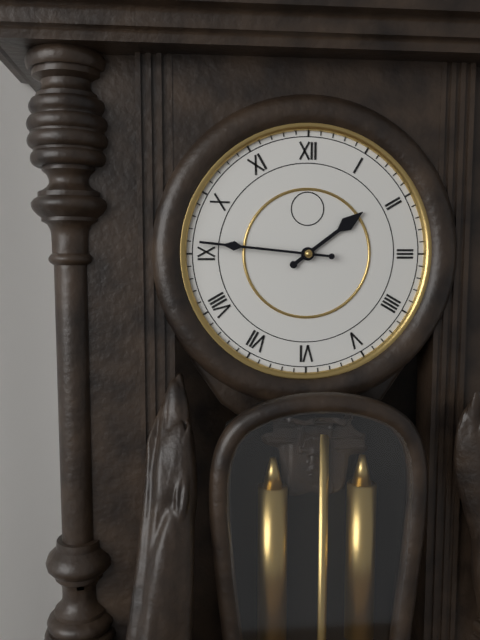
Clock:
{"hour": 1, "minute": 46}
